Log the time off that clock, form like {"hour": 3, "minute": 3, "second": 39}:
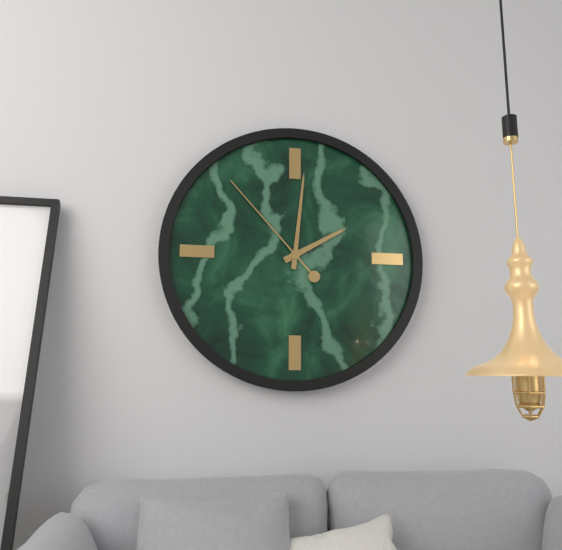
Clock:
{"hour": 2, "minute": 1, "second": 53}
